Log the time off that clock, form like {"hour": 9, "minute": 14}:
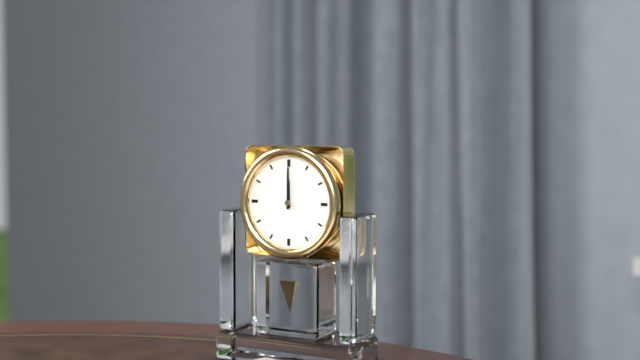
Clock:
{"hour": 12, "minute": 0}
